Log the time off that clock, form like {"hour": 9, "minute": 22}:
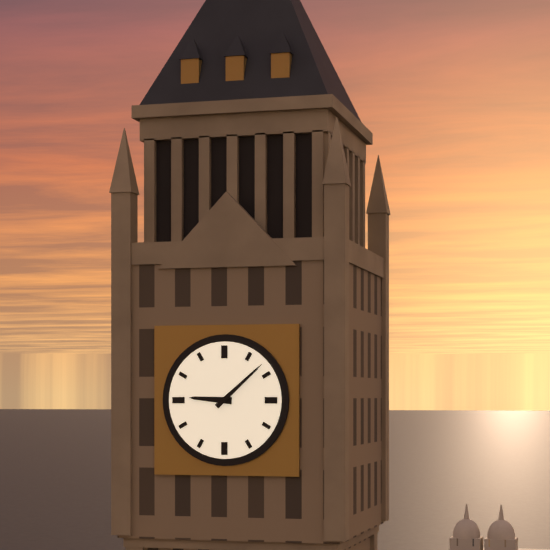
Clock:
{"hour": 9, "minute": 8}
